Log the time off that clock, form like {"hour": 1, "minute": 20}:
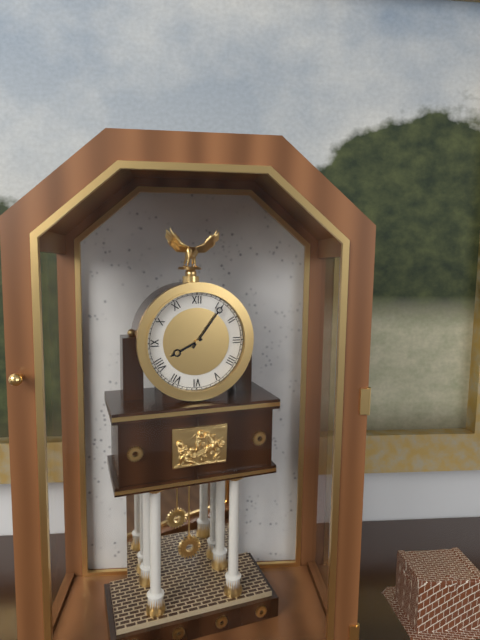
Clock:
{"hour": 8, "minute": 6}
